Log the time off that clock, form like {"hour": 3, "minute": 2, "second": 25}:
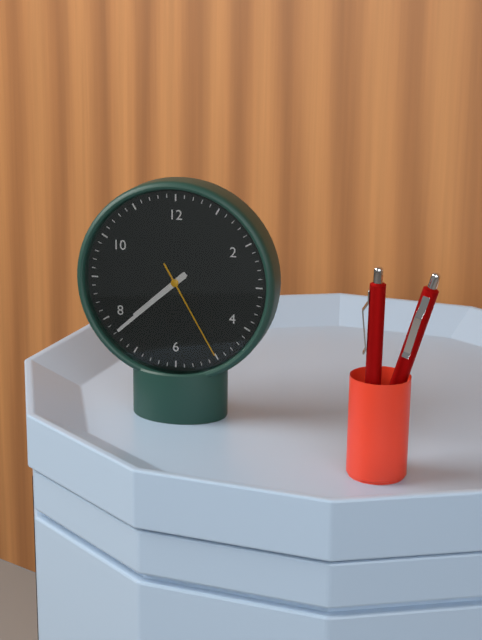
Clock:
{"hour": 7, "minute": 38, "second": 25}
